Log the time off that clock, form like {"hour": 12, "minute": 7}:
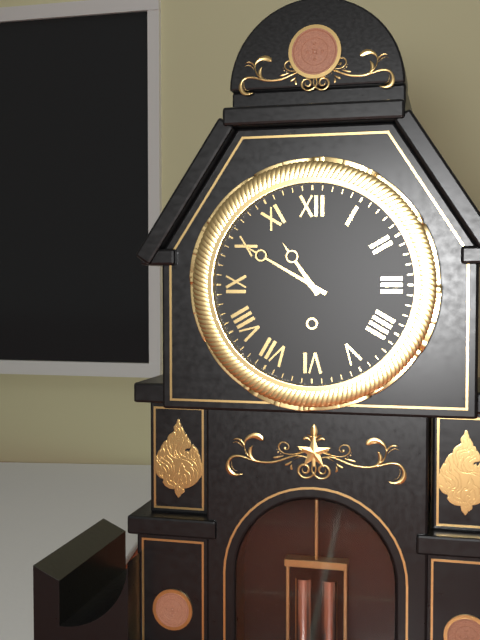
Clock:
{"hour": 10, "minute": 50}
